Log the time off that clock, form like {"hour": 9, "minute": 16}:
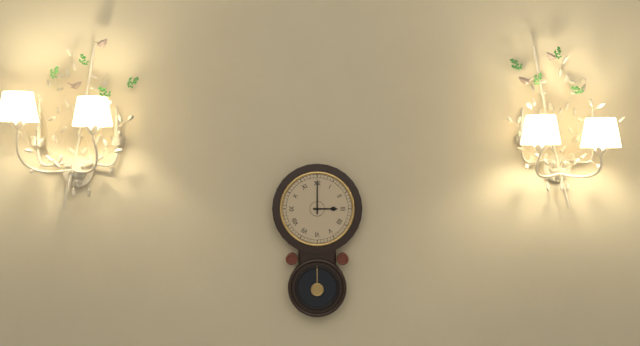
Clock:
{"hour": 3, "minute": 0}
